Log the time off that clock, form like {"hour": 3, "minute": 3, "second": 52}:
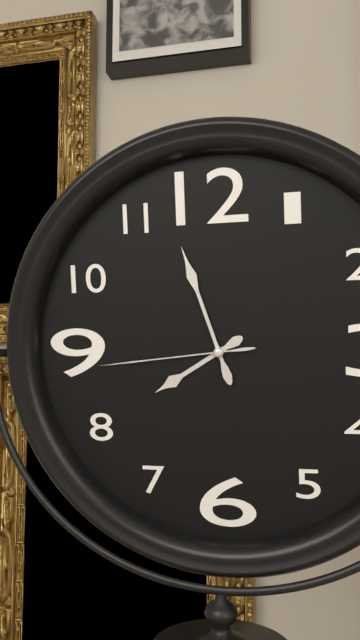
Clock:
{"hour": 7, "minute": 57, "second": 44}
